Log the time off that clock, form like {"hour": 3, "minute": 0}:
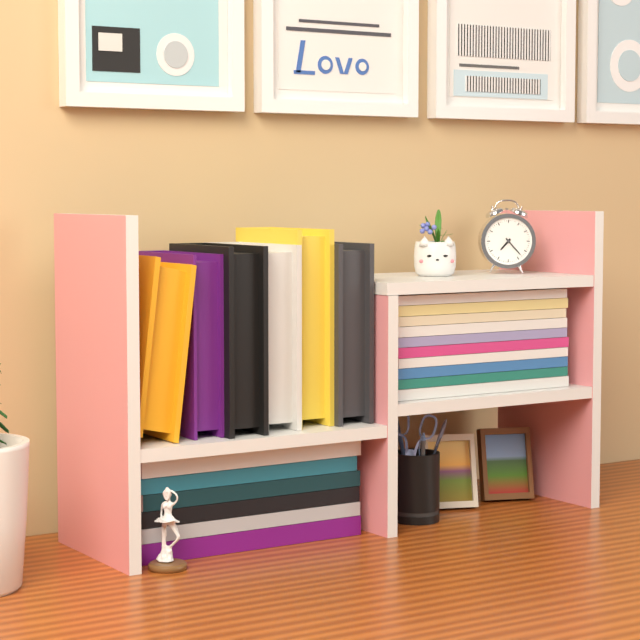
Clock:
{"hour": 7, "minute": 23}
